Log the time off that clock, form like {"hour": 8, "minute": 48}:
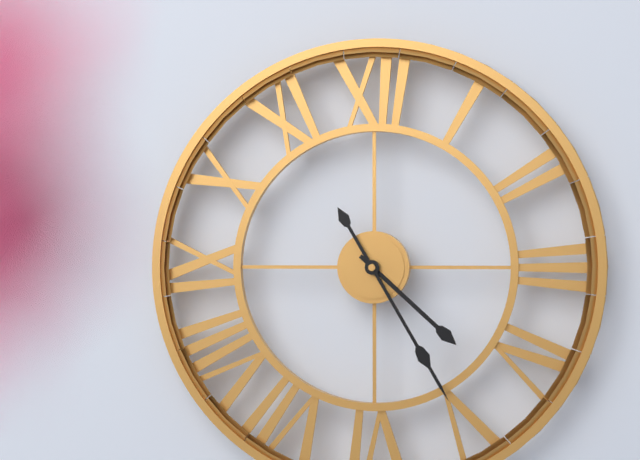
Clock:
{"hour": 4, "minute": 25}
